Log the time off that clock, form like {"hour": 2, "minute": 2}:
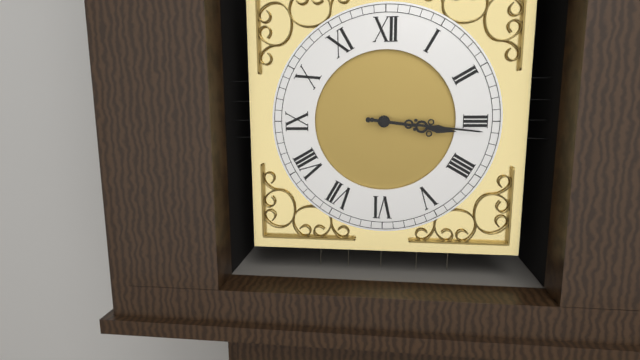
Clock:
{"hour": 3, "minute": 16}
